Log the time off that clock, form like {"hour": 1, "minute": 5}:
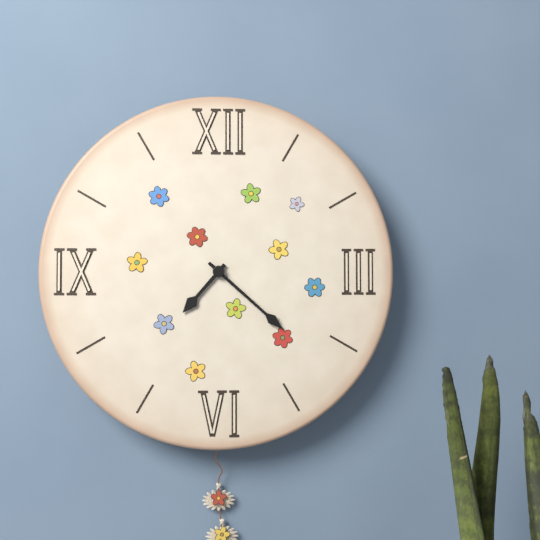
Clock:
{"hour": 7, "minute": 22}
